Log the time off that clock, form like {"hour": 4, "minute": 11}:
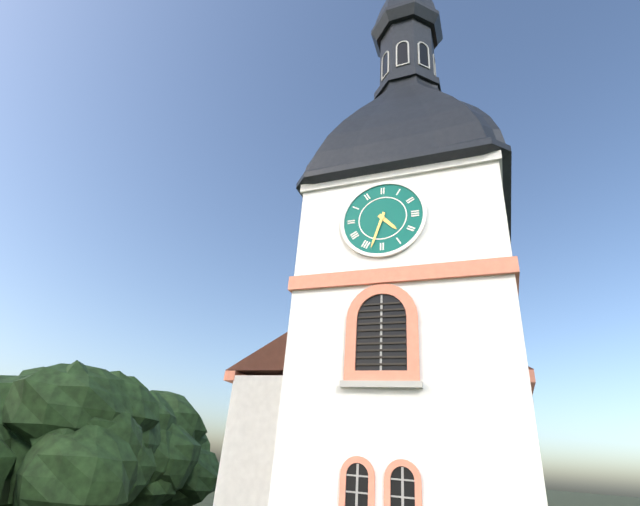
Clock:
{"hour": 4, "minute": 33}
